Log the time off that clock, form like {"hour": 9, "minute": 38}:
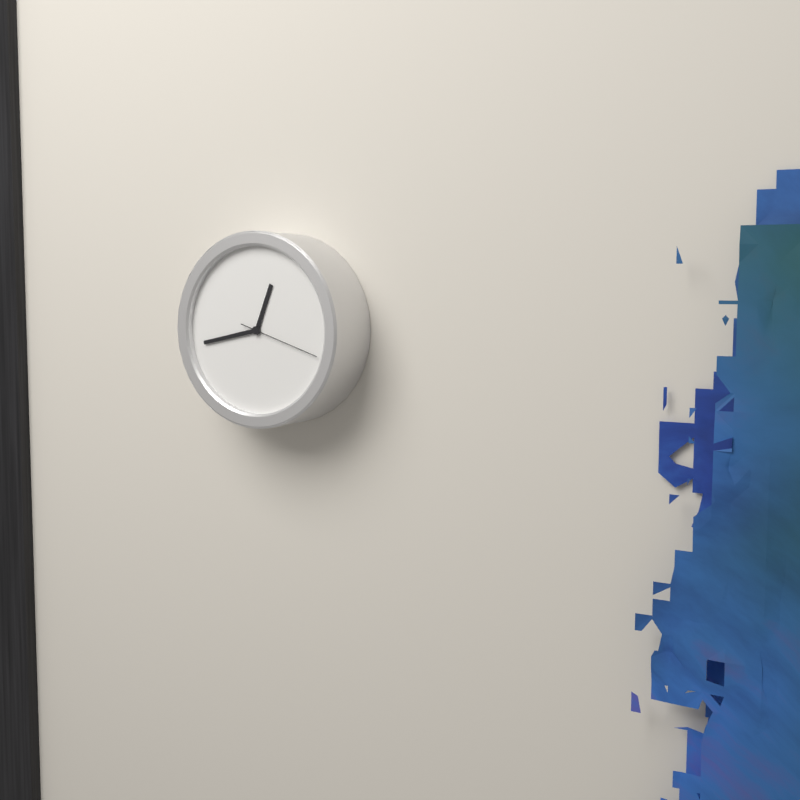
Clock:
{"hour": 12, "minute": 43}
